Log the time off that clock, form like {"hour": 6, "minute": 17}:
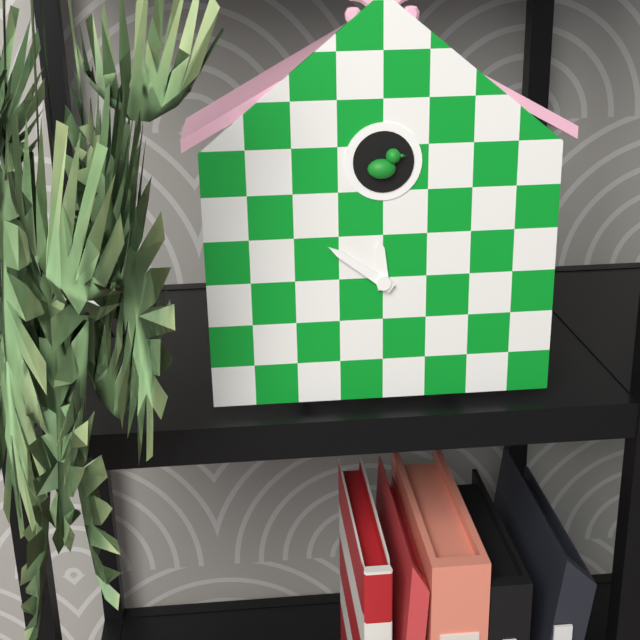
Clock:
{"hour": 11, "minute": 51}
